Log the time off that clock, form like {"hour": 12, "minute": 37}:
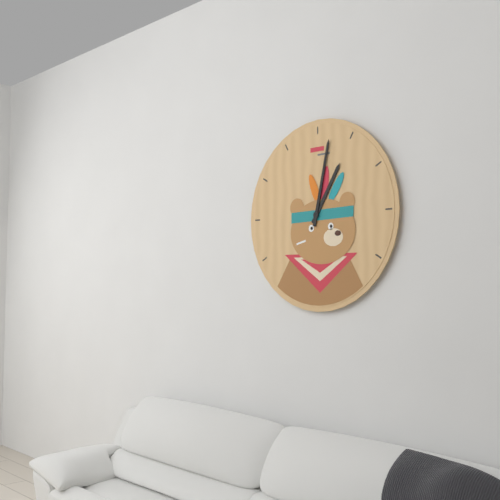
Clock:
{"hour": 1, "minute": 2}
